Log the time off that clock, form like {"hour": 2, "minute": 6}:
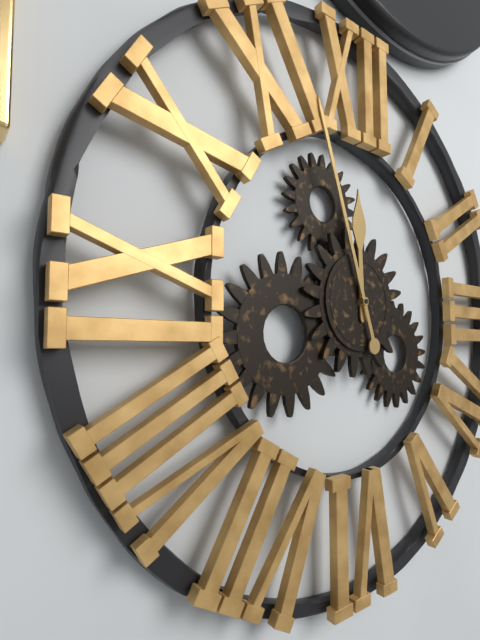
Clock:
{"hour": 11, "minute": 57}
